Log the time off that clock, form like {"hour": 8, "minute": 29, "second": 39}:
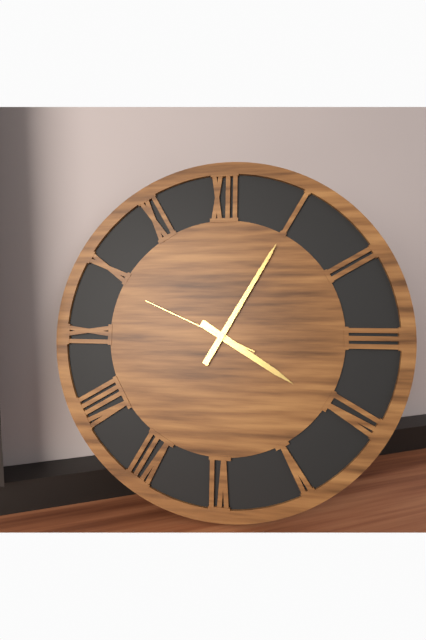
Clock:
{"hour": 4, "minute": 5, "second": 49}
